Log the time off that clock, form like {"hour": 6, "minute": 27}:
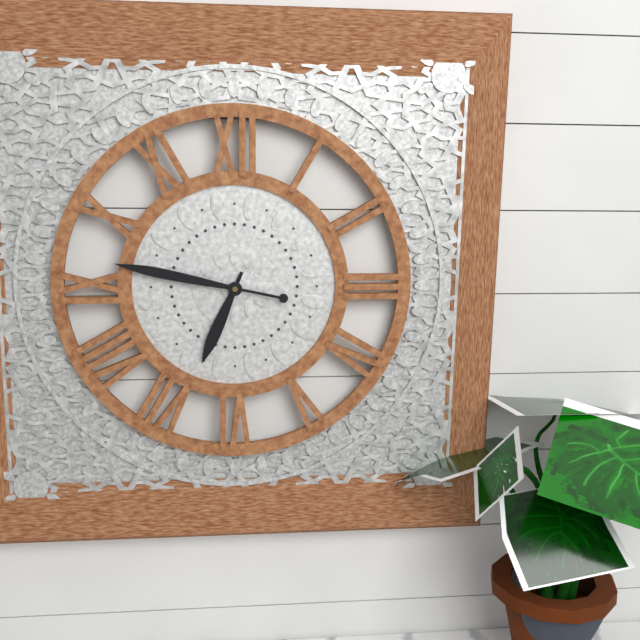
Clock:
{"hour": 6, "minute": 47}
